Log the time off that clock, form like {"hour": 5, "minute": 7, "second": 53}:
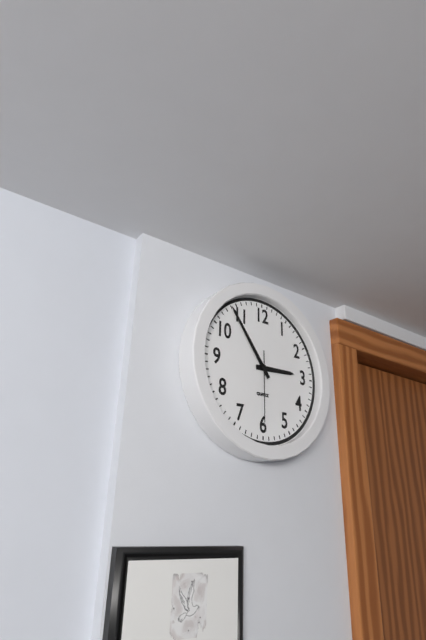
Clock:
{"hour": 2, "minute": 54, "second": 30}
